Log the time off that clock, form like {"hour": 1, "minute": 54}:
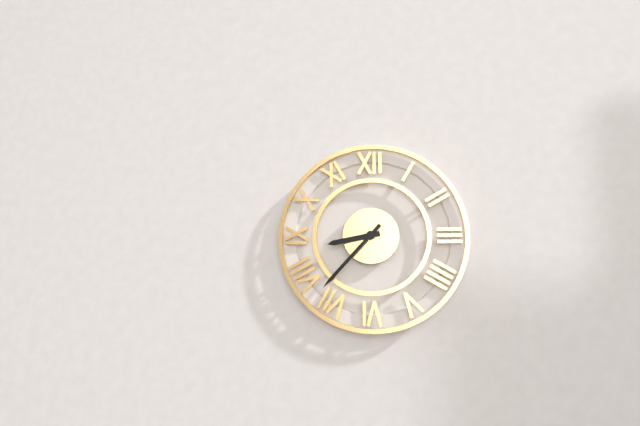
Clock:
{"hour": 8, "minute": 37}
